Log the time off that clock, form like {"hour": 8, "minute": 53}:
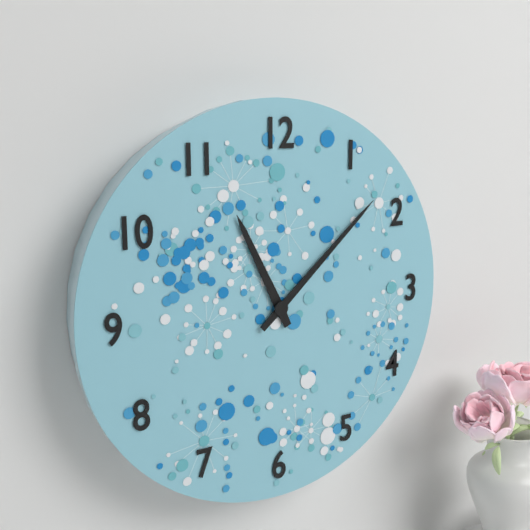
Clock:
{"hour": 11, "minute": 8}
